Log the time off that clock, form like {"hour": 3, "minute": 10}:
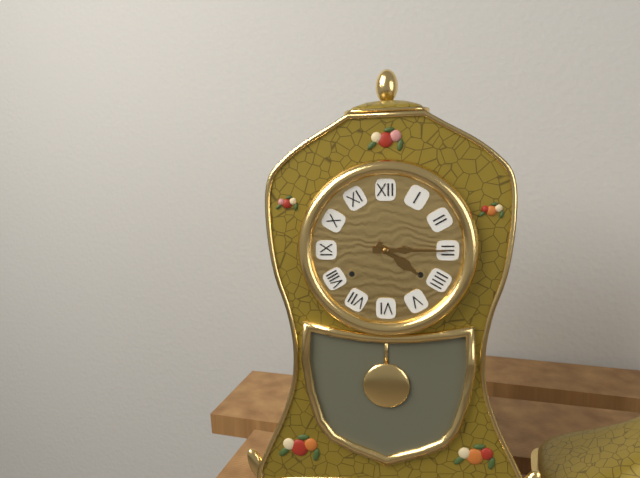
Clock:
{"hour": 4, "minute": 15}
